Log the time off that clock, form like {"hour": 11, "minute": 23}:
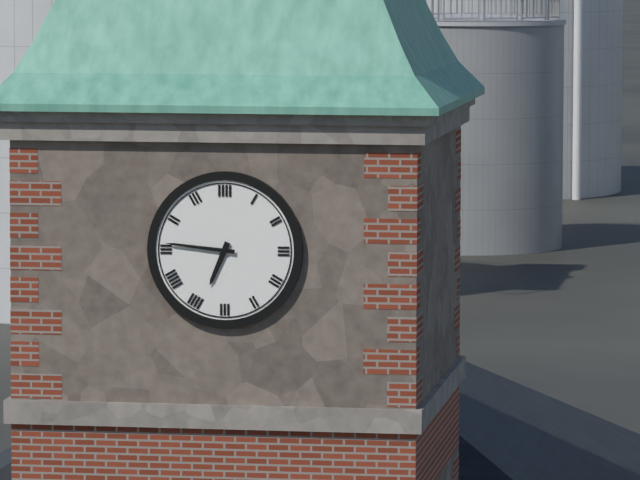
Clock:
{"hour": 6, "minute": 46}
